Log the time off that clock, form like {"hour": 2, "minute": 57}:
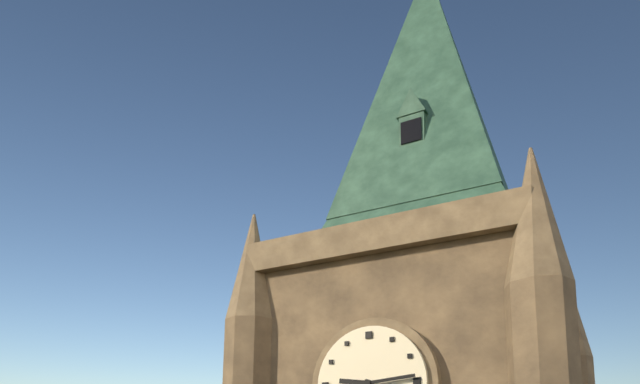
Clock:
{"hour": 9, "minute": 14}
